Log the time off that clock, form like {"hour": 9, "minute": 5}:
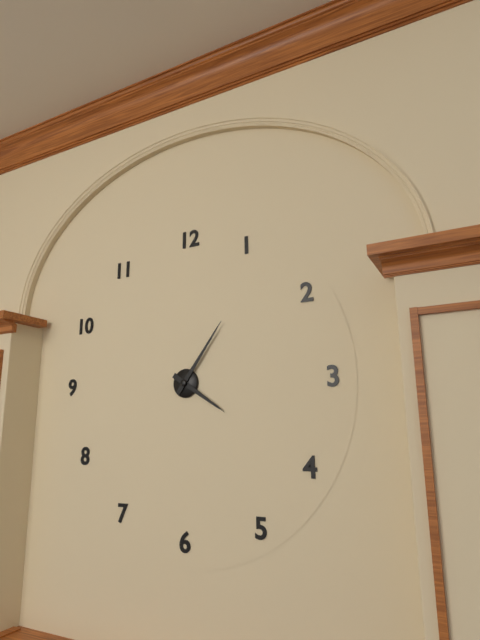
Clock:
{"hour": 4, "minute": 6}
